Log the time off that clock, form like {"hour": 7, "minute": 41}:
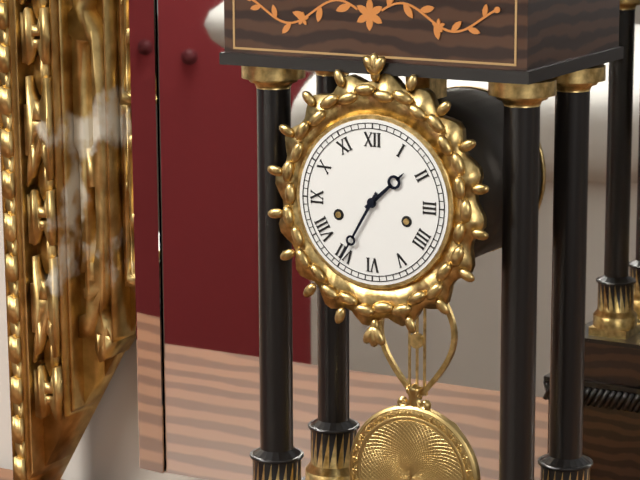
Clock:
{"hour": 1, "minute": 35}
